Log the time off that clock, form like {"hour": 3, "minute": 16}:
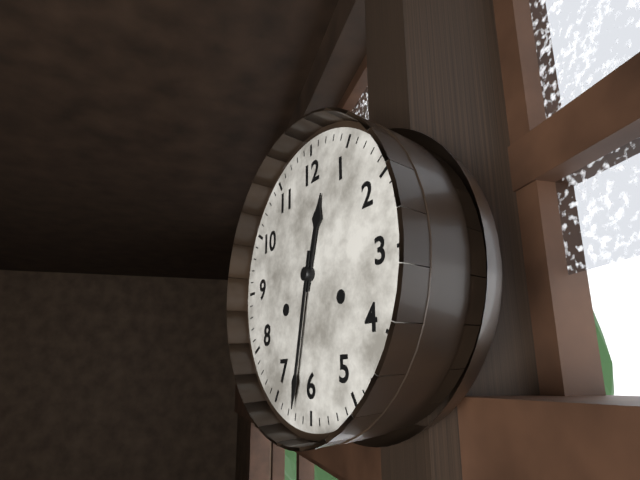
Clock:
{"hour": 12, "minute": 32}
